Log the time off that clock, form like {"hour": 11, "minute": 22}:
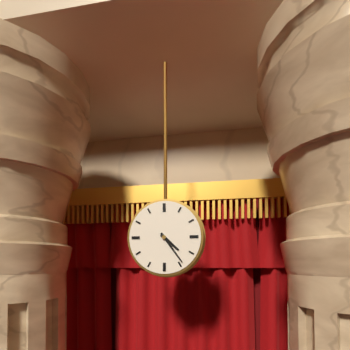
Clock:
{"hour": 4, "minute": 24}
